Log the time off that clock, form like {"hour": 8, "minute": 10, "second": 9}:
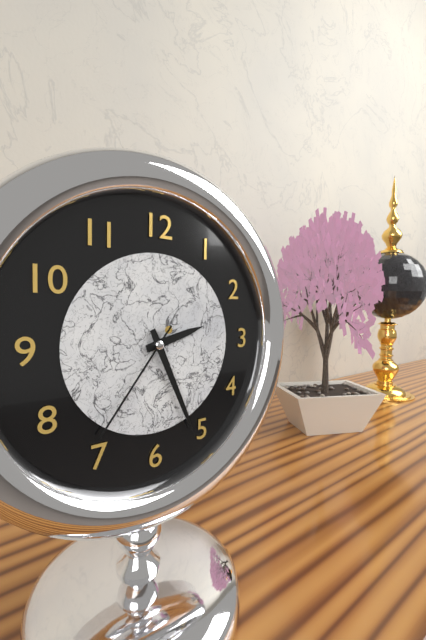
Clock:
{"hour": 2, "minute": 26, "second": 36}
